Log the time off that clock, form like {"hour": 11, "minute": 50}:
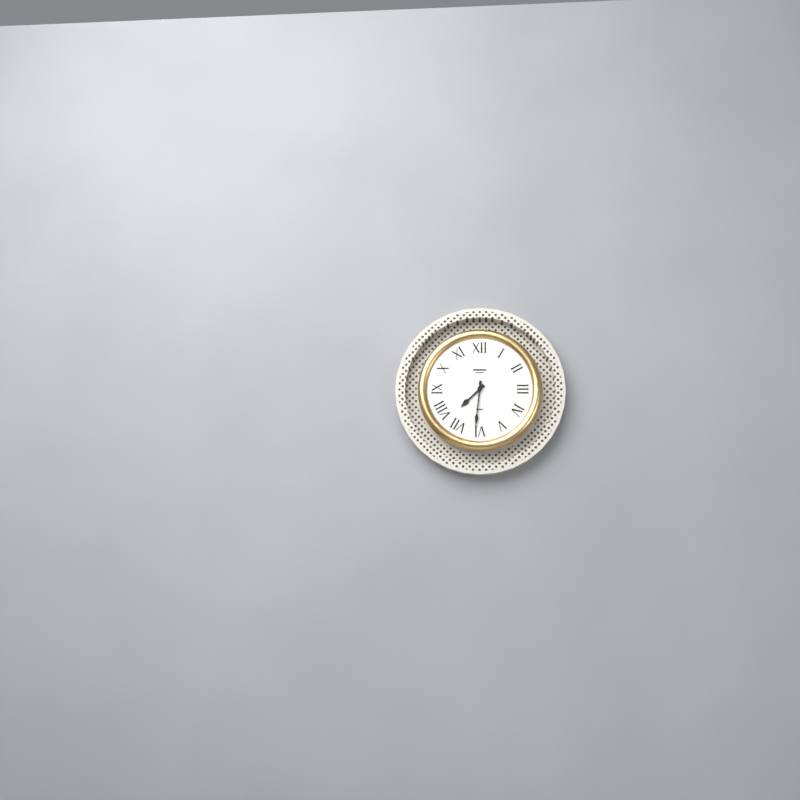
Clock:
{"hour": 7, "minute": 31}
